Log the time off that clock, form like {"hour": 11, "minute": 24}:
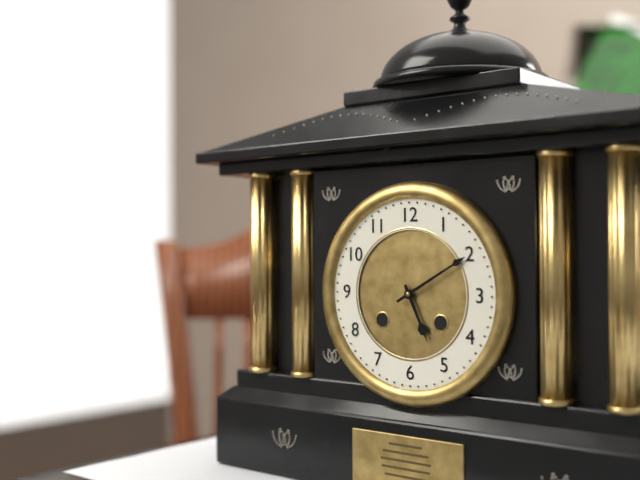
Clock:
{"hour": 5, "minute": 10}
